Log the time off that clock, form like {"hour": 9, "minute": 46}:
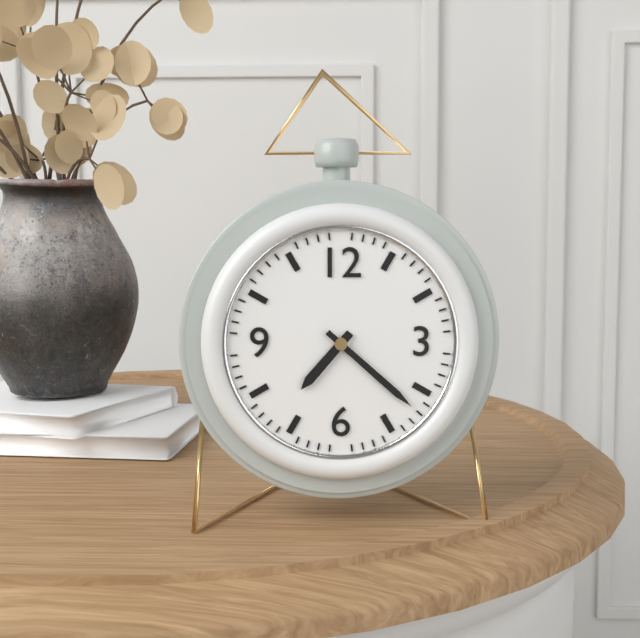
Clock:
{"hour": 7, "minute": 22}
